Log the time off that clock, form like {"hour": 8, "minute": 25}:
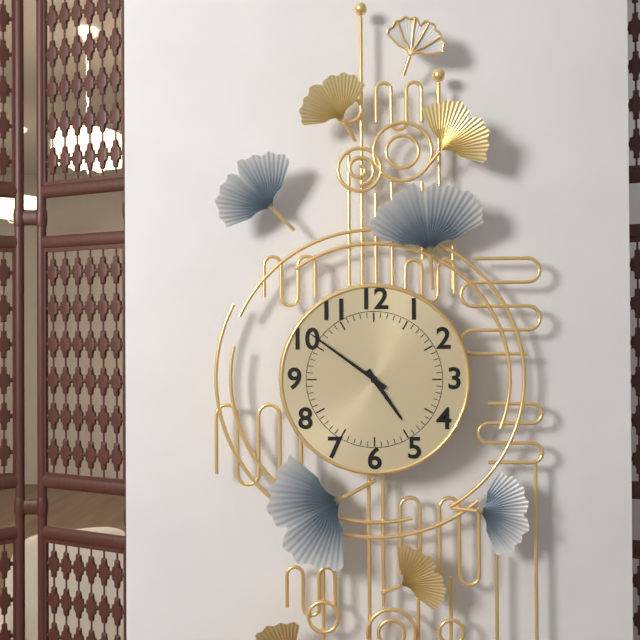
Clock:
{"hour": 4, "minute": 51}
